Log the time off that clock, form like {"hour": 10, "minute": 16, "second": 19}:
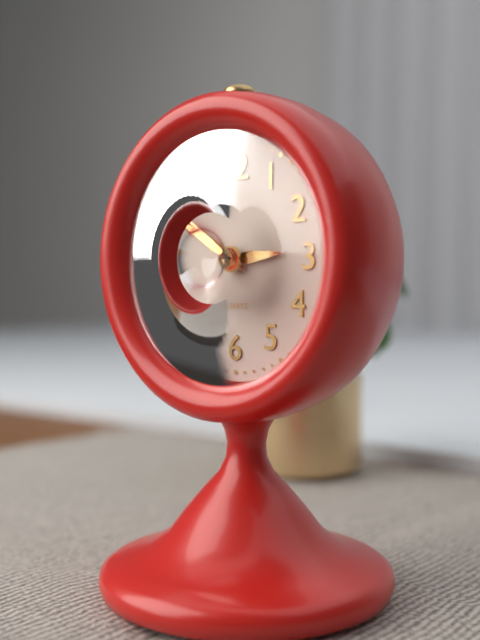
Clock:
{"hour": 2, "minute": 50, "second": 51}
